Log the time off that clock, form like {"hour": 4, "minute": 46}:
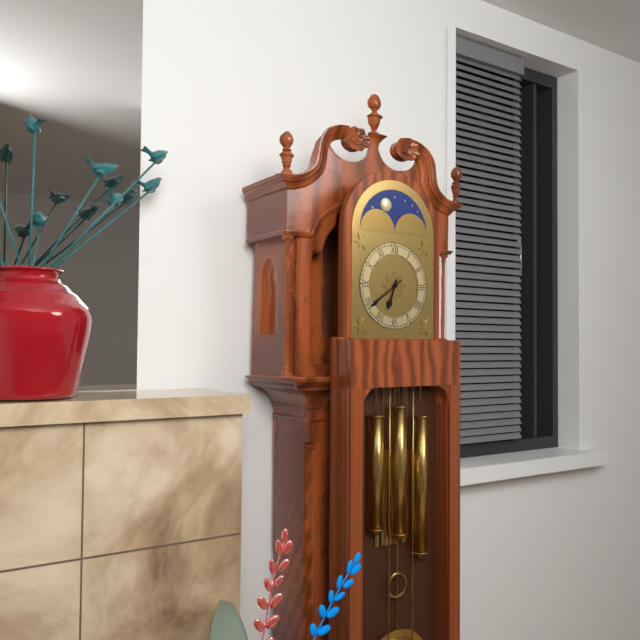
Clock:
{"hour": 6, "minute": 39}
